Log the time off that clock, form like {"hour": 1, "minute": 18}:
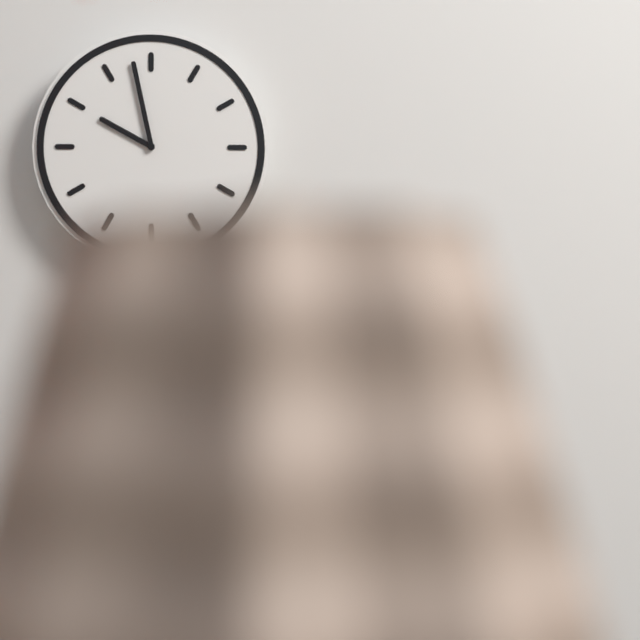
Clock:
{"hour": 9, "minute": 58}
